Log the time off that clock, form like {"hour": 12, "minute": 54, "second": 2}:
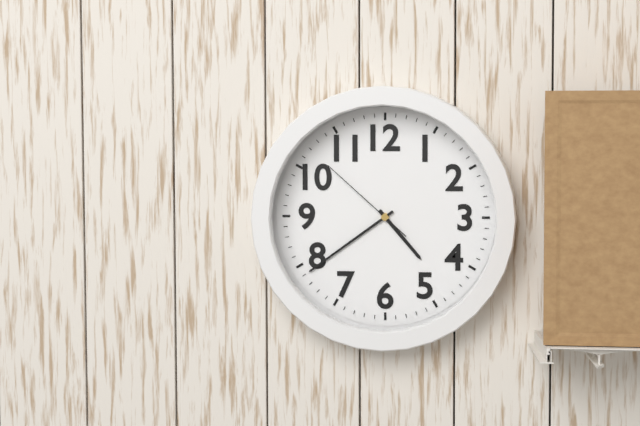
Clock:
{"hour": 4, "minute": 39, "second": 52}
